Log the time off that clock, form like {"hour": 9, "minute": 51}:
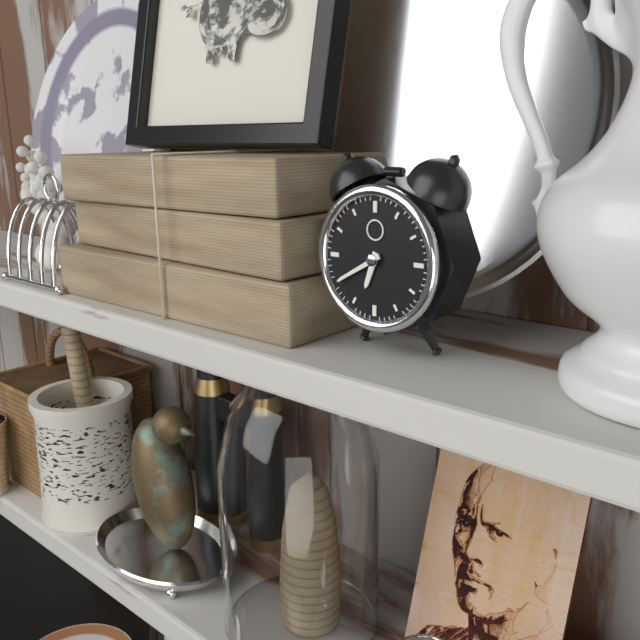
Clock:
{"hour": 6, "minute": 40}
